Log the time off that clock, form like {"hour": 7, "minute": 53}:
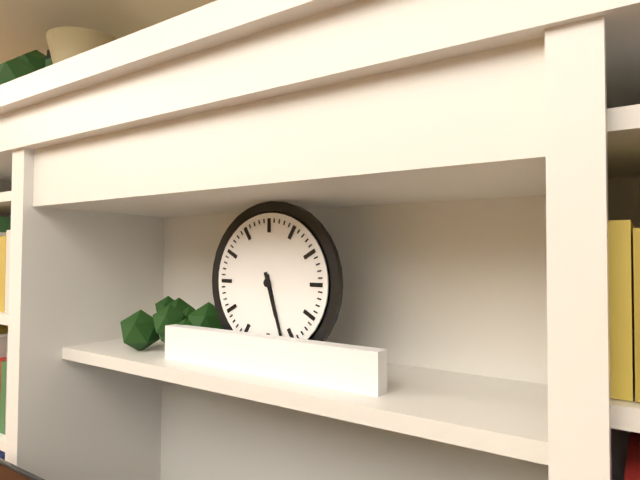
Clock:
{"hour": 5, "minute": 27}
